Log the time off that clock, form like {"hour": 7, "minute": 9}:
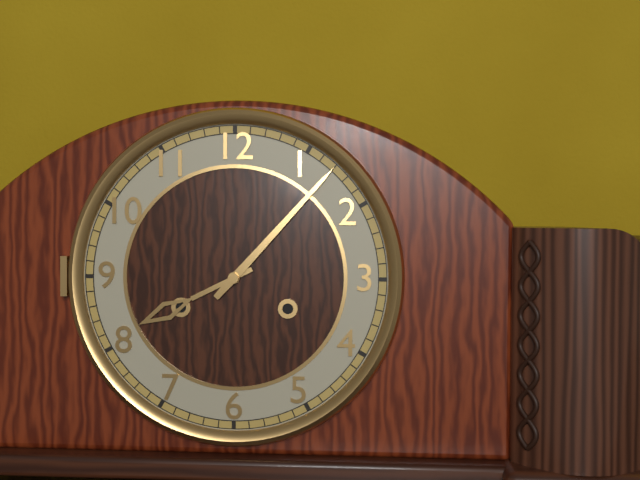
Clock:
{"hour": 8, "minute": 7}
